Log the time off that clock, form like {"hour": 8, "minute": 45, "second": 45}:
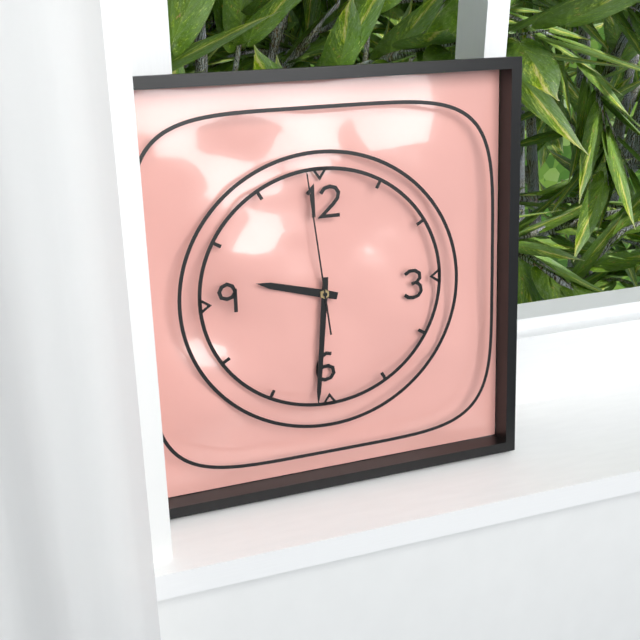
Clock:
{"hour": 9, "minute": 31, "second": 59}
